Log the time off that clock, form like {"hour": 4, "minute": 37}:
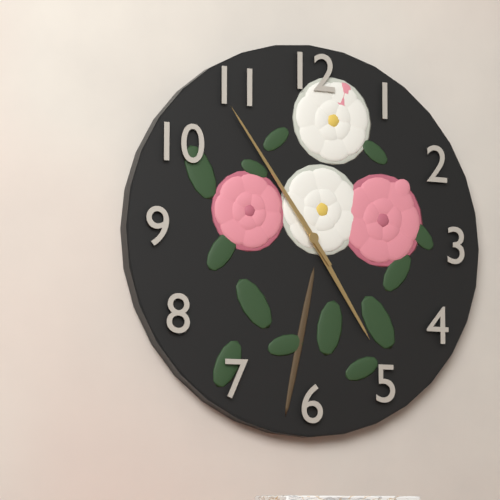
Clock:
{"hour": 4, "minute": 54}
